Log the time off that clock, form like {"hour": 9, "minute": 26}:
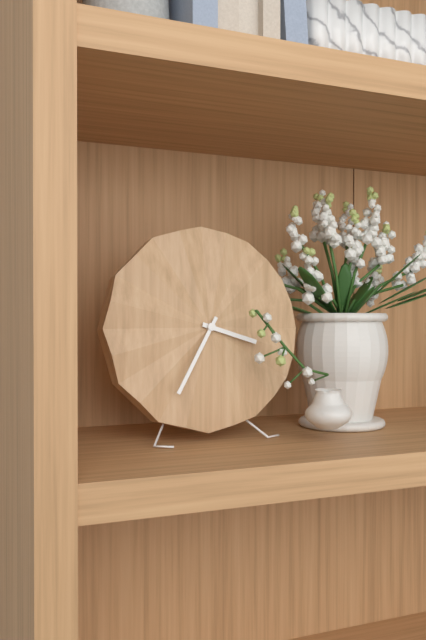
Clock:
{"hour": 3, "minute": 35}
